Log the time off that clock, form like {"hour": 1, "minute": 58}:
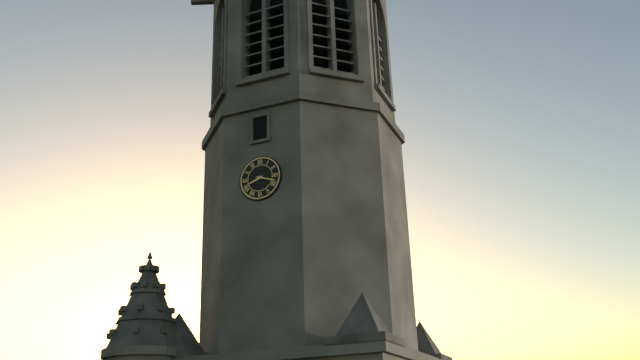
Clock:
{"hour": 8, "minute": 18}
